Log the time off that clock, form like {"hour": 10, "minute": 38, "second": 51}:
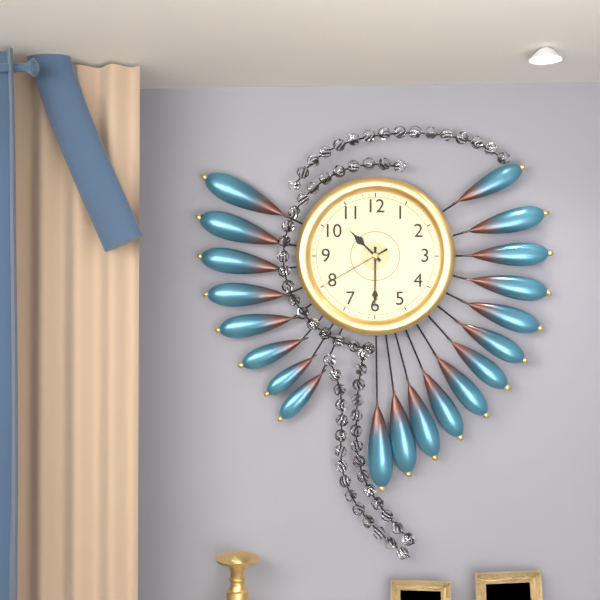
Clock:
{"hour": 10, "minute": 30, "second": 40}
